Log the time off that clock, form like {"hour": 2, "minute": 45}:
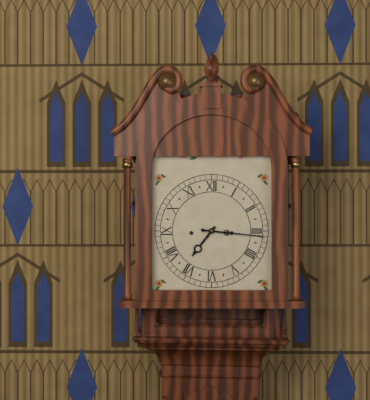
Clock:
{"hour": 7, "minute": 16}
